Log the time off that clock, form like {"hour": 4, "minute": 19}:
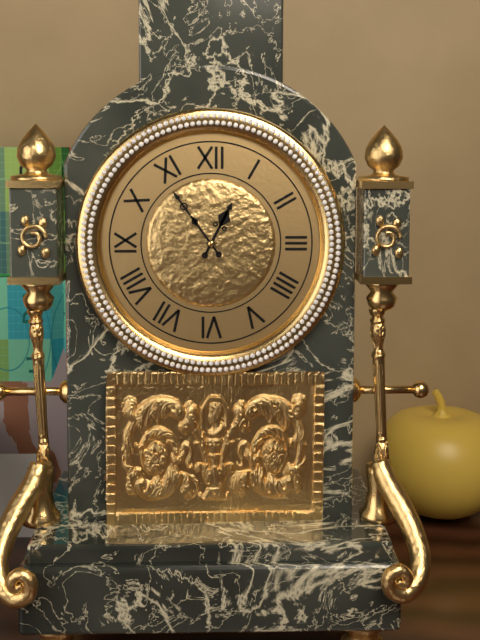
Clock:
{"hour": 12, "minute": 54}
